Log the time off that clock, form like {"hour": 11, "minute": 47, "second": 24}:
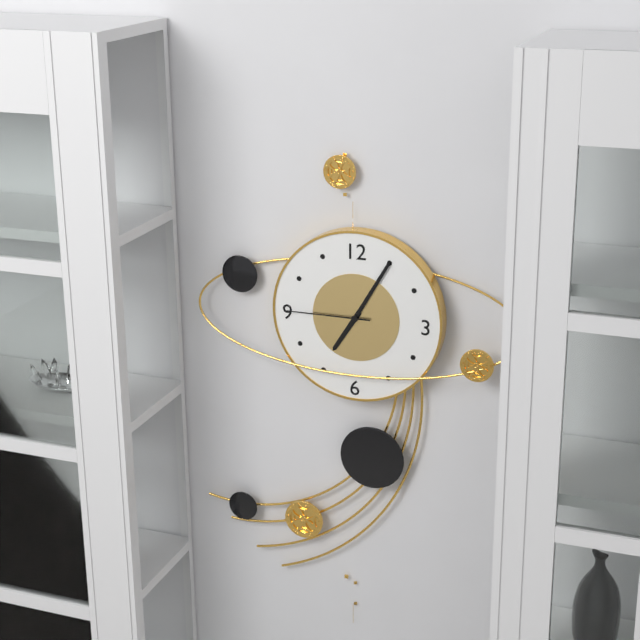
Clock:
{"hour": 7, "minute": 5, "second": 45}
